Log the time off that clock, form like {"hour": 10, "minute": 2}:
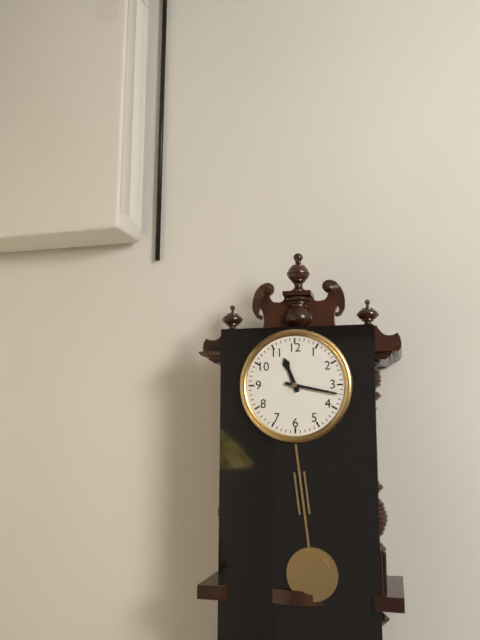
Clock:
{"hour": 11, "minute": 17}
